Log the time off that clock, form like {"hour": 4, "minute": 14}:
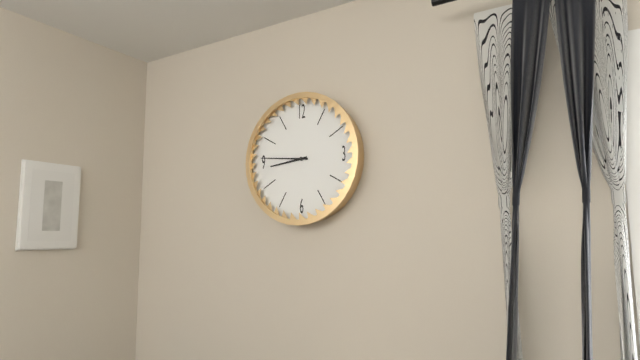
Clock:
{"hour": 8, "minute": 46}
